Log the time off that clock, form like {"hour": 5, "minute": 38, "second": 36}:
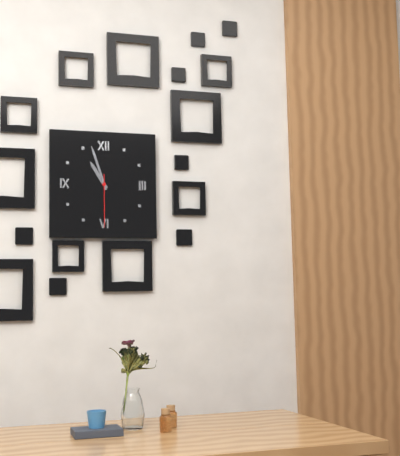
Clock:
{"hour": 10, "minute": 57, "second": 30}
